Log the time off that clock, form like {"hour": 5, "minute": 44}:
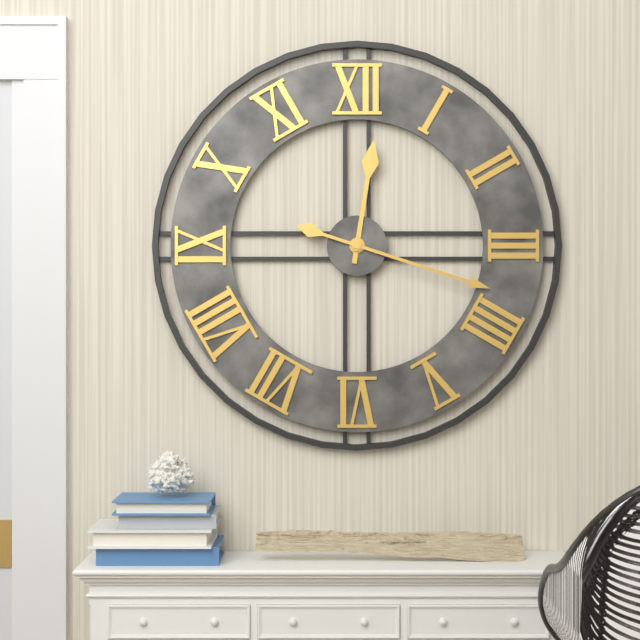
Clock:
{"hour": 12, "minute": 18}
